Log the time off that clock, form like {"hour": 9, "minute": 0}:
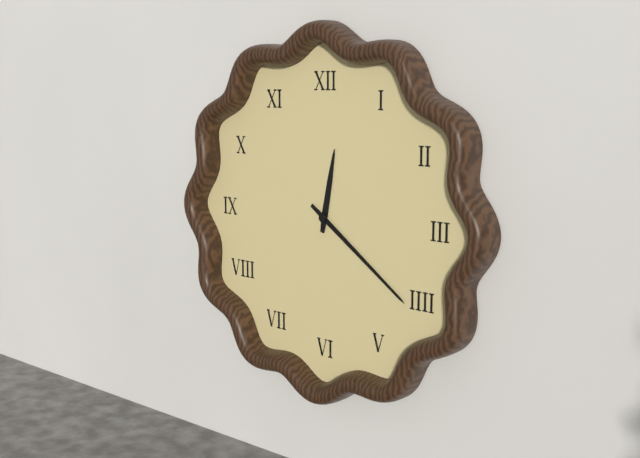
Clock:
{"hour": 12, "minute": 21}
